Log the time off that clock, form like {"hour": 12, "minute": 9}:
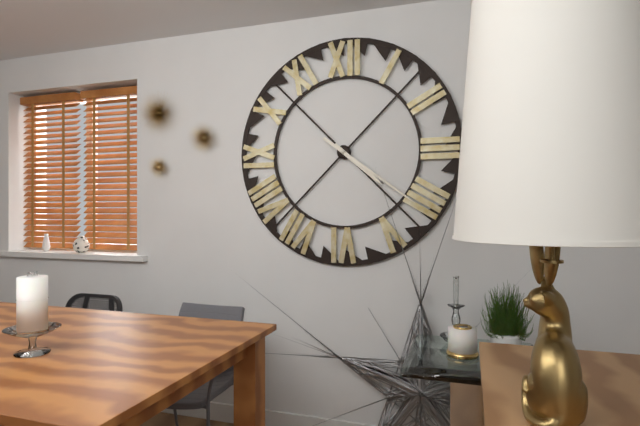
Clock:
{"hour": 4, "minute": 21}
